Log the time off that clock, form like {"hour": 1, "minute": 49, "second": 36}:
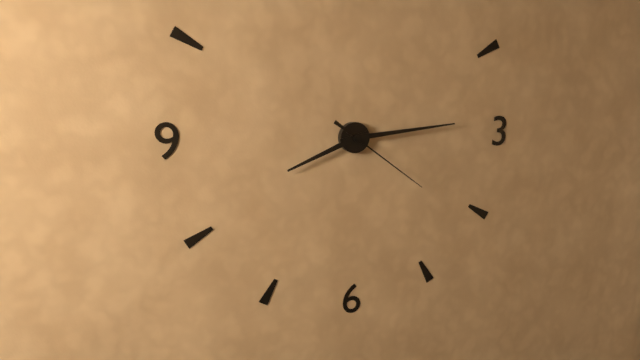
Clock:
{"hour": 8, "minute": 14, "second": 21}
